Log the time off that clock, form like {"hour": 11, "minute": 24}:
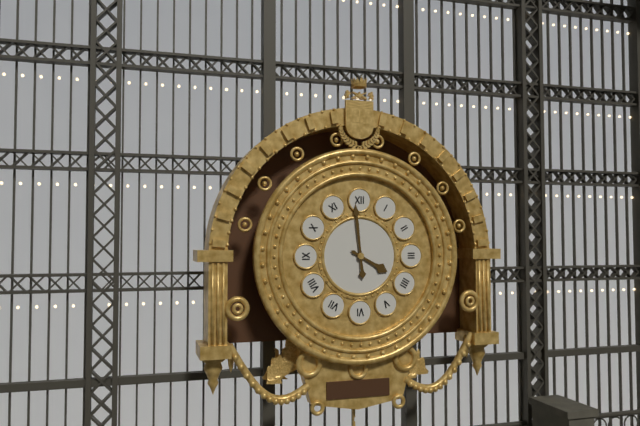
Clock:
{"hour": 3, "minute": 59}
